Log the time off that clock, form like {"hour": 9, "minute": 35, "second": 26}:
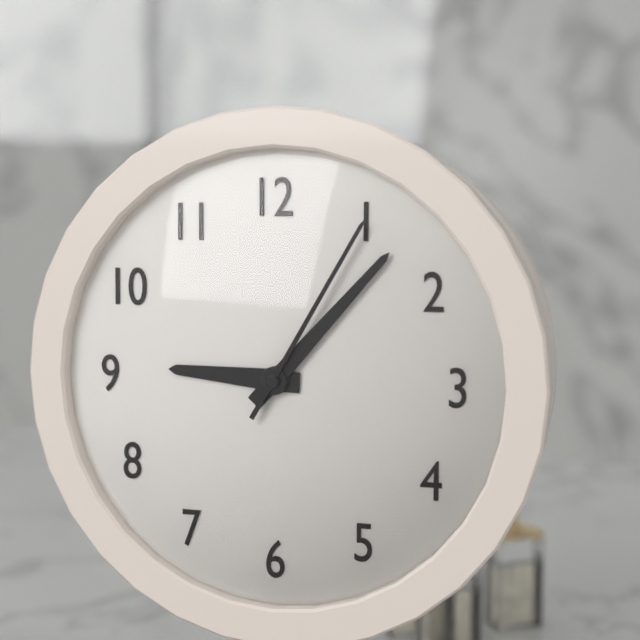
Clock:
{"hour": 9, "minute": 7, "second": 5}
